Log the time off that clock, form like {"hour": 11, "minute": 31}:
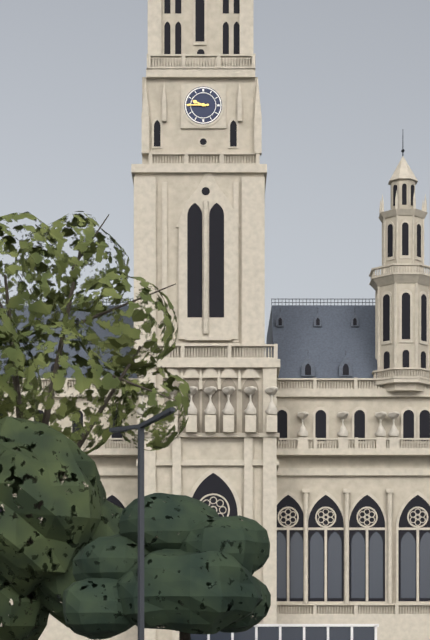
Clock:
{"hour": 9, "minute": 45}
